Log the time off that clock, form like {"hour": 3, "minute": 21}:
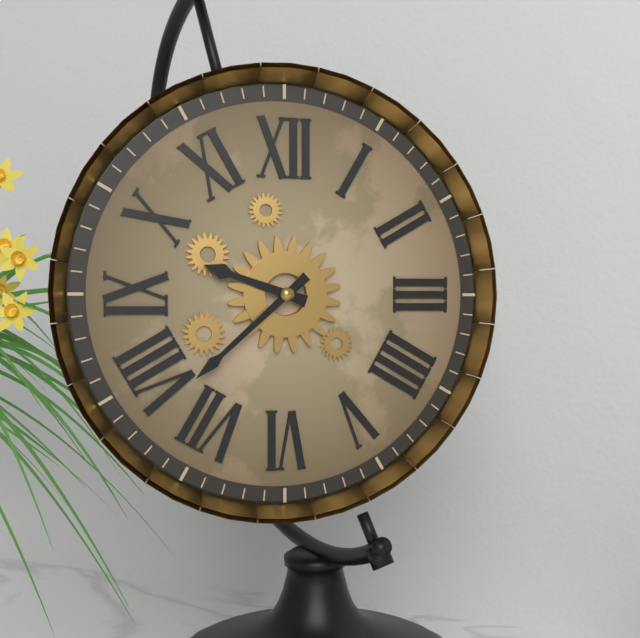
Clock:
{"hour": 9, "minute": 38}
